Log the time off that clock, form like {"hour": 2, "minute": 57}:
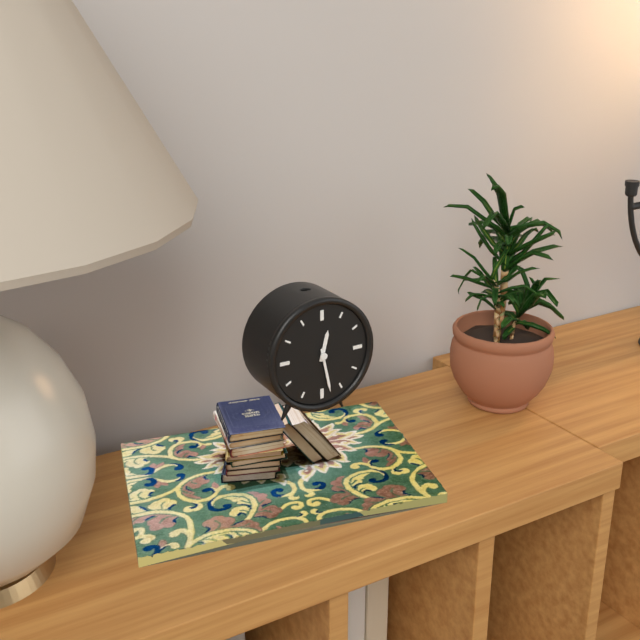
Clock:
{"hour": 12, "minute": 28}
